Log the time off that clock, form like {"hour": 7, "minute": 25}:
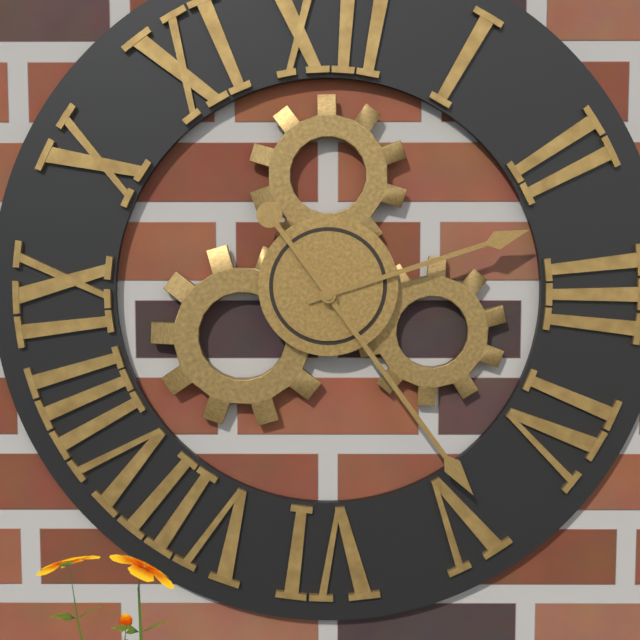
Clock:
{"hour": 2, "minute": 24}
